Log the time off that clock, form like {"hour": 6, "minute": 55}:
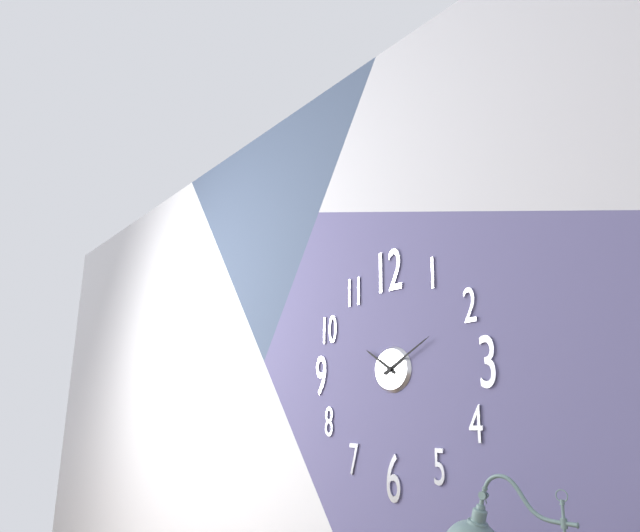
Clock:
{"hour": 10, "minute": 10}
